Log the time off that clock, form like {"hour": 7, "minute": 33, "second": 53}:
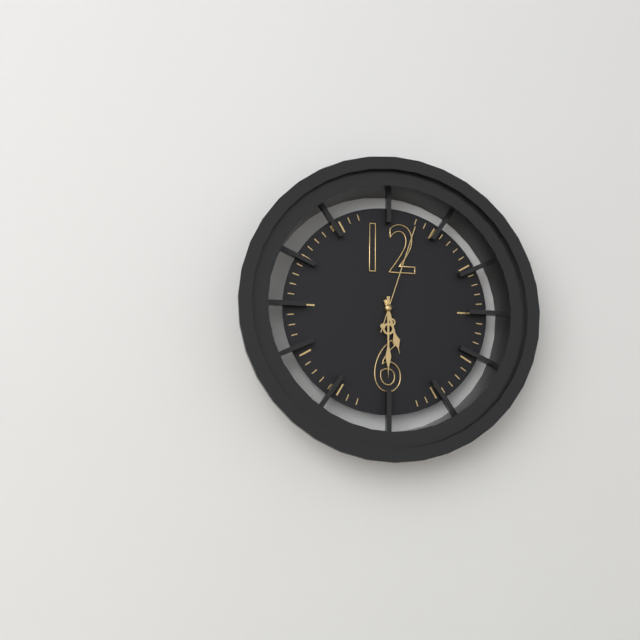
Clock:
{"hour": 5, "minute": 30, "second": 3}
